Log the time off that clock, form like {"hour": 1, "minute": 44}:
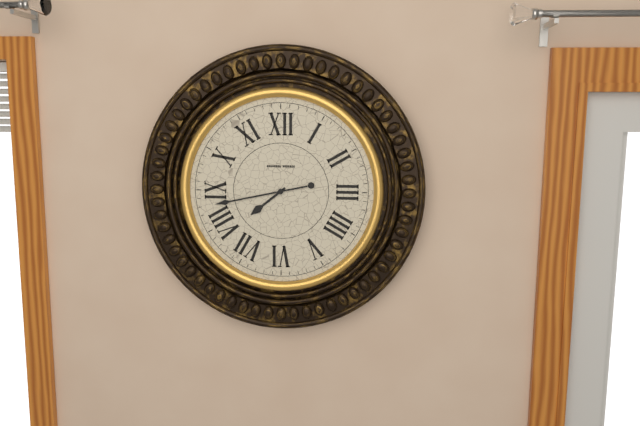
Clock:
{"hour": 7, "minute": 43}
